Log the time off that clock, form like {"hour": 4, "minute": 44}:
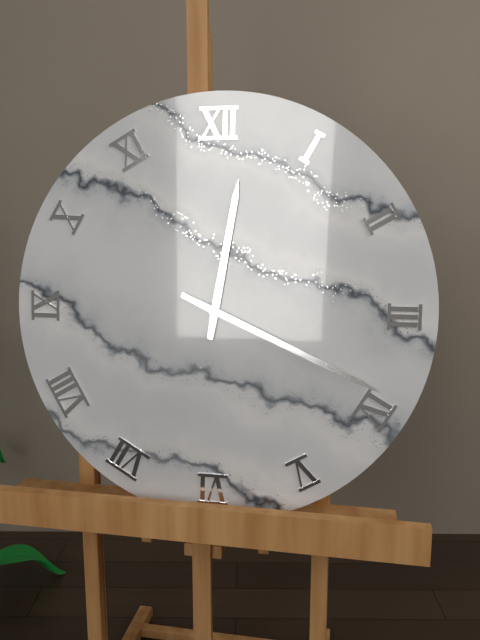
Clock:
{"hour": 12, "minute": 19}
